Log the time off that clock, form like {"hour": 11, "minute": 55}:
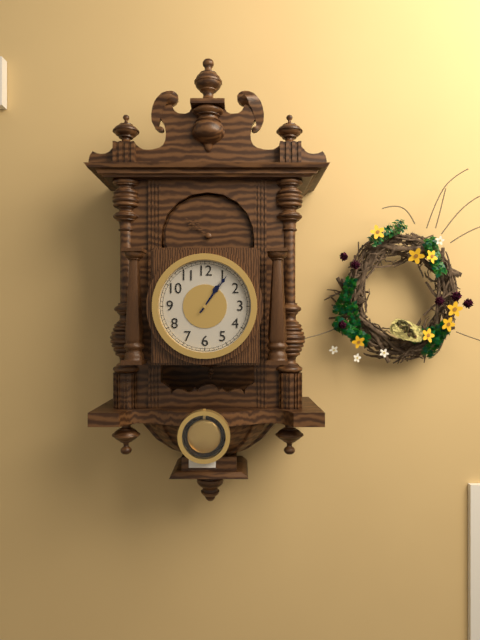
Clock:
{"hour": 1, "minute": 6}
